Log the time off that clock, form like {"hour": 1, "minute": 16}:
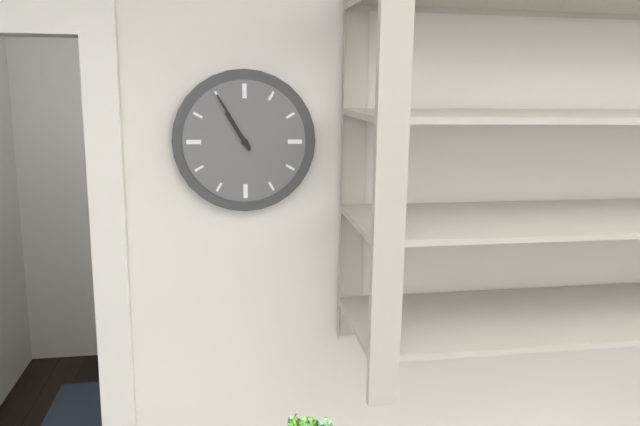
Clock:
{"hour": 10, "minute": 55}
